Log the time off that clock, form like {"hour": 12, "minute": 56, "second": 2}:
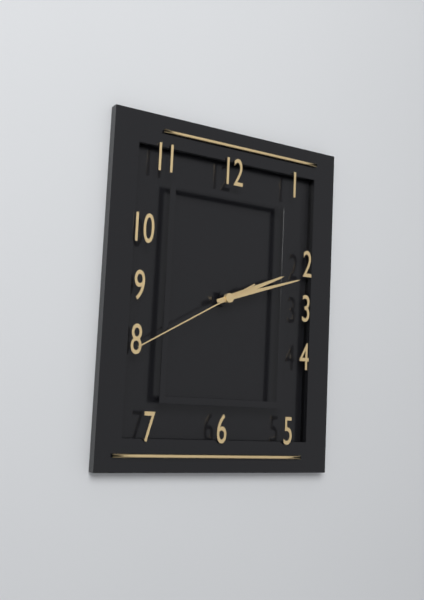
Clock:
{"hour": 2, "minute": 12, "second": 40}
